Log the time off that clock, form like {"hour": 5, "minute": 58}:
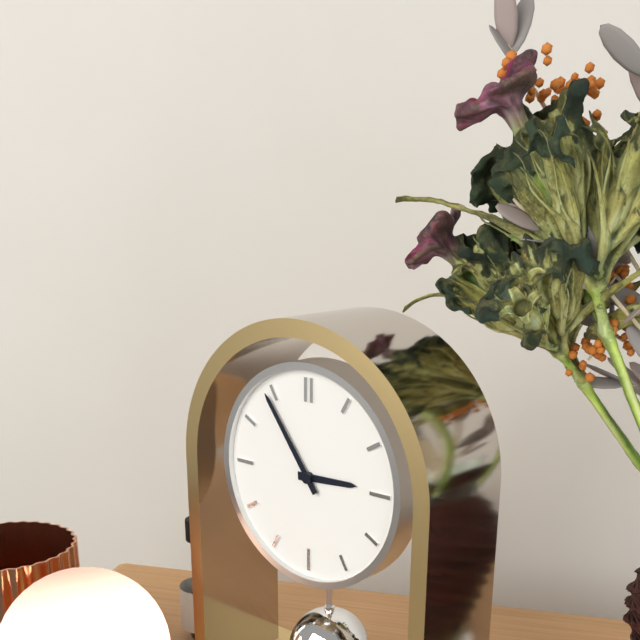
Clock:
{"hour": 2, "minute": 54}
